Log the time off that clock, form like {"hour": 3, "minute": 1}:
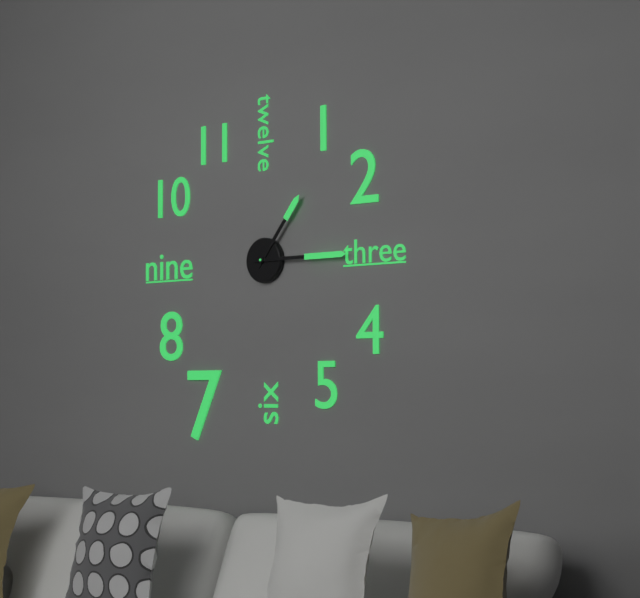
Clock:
{"hour": 1, "minute": 15}
